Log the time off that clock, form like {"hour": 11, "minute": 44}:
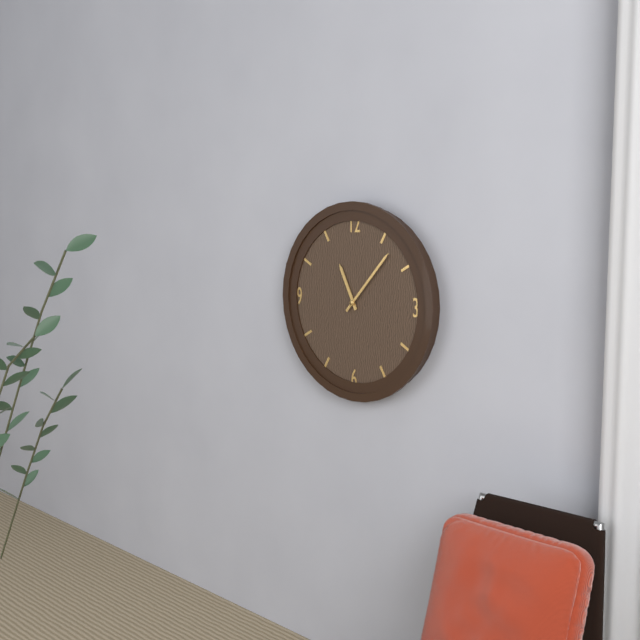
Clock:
{"hour": 11, "minute": 7}
